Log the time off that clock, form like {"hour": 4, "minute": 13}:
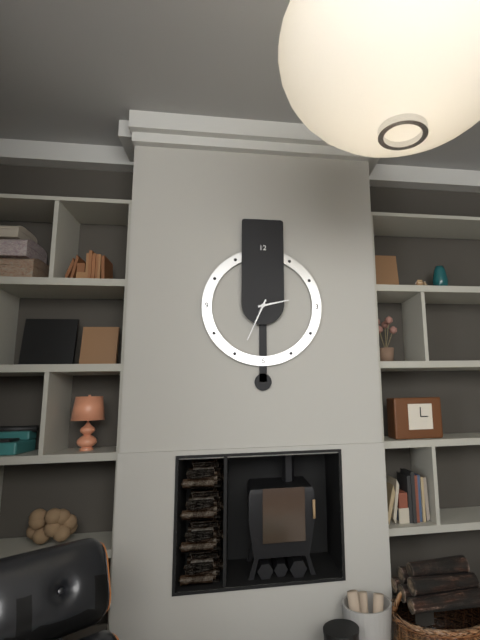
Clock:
{"hour": 2, "minute": 34}
